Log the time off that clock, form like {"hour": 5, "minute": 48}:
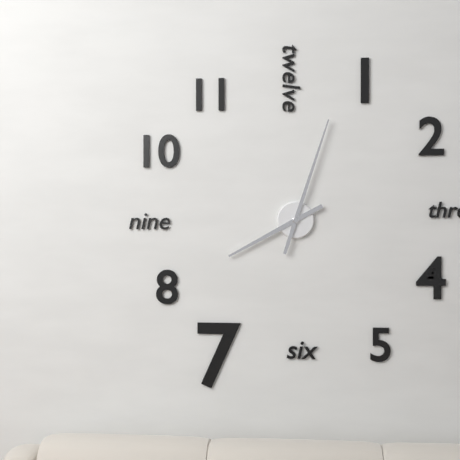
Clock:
{"hour": 8, "minute": 3}
